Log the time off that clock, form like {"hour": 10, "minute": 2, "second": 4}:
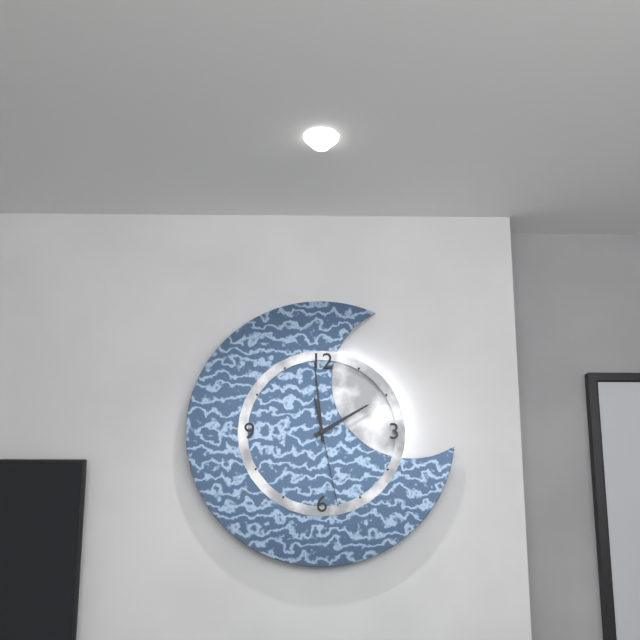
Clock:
{"hour": 1, "minute": 59, "second": 28}
